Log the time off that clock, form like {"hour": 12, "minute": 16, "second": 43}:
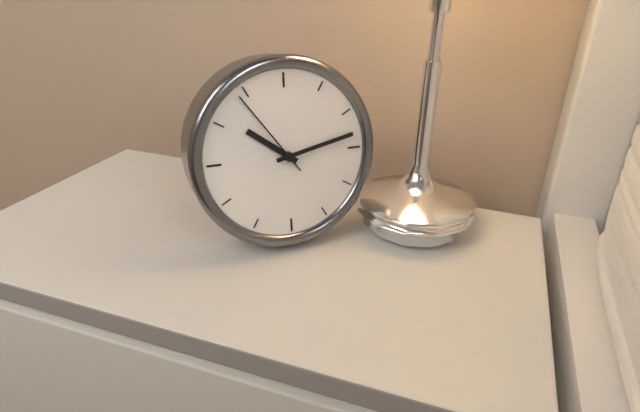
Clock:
{"hour": 10, "minute": 13, "second": 54}
